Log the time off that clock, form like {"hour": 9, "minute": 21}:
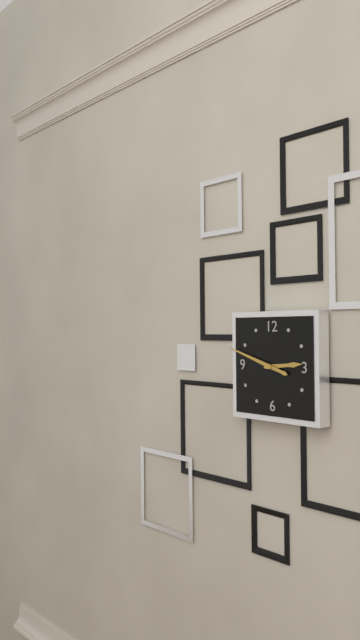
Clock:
{"hour": 2, "minute": 48}
